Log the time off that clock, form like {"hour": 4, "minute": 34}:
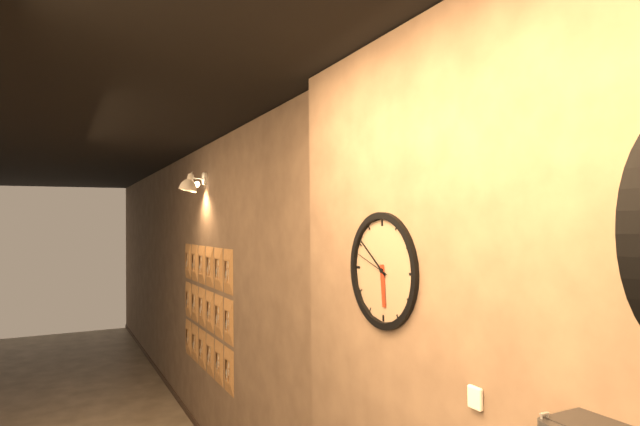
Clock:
{"hour": 5, "minute": 51}
